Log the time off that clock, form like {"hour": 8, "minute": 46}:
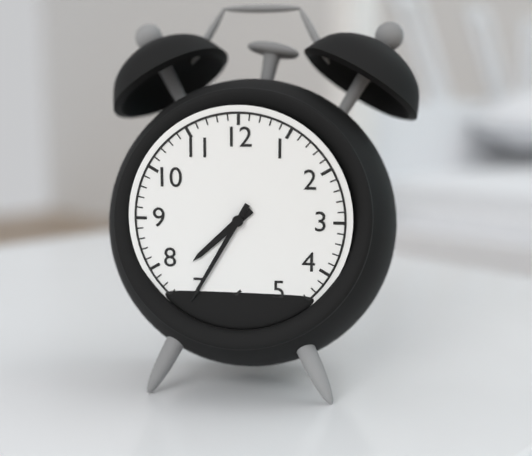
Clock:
{"hour": 7, "minute": 35}
